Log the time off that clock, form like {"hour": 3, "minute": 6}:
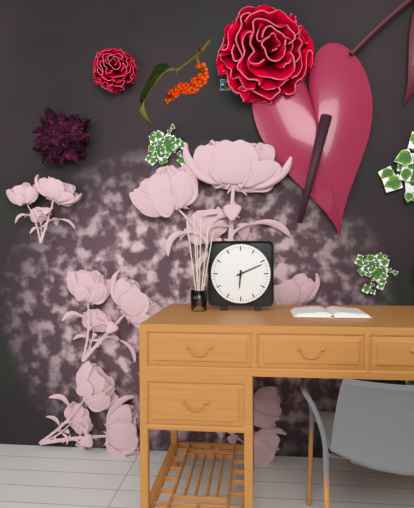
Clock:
{"hour": 6, "minute": 11}
